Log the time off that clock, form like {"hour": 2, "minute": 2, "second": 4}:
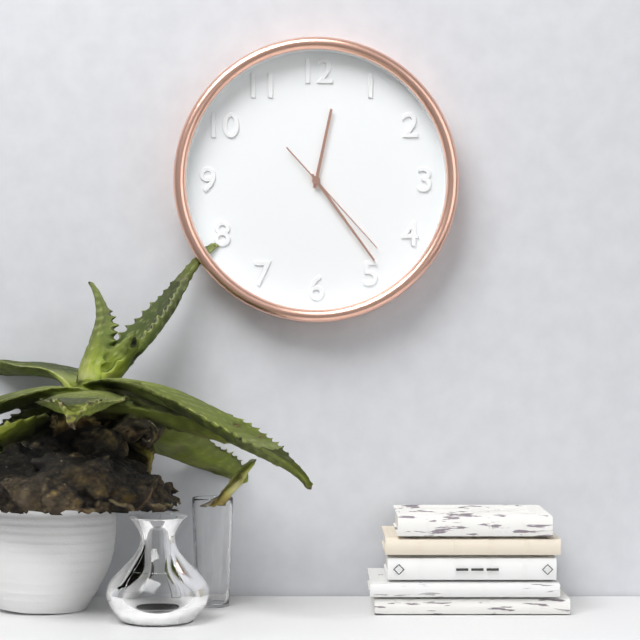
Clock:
{"hour": 12, "minute": 24, "second": 23}
